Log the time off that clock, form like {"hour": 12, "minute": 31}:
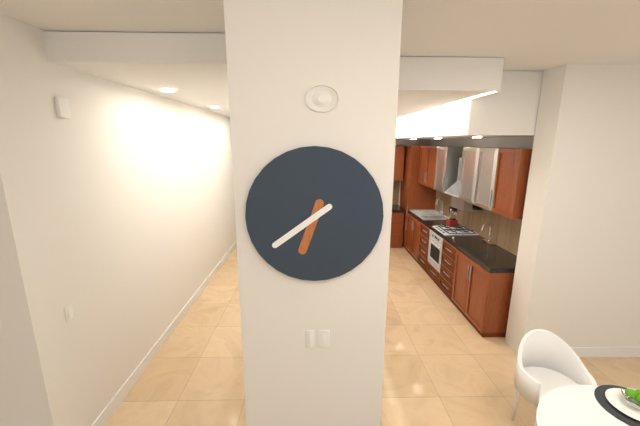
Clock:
{"hour": 6, "minute": 39}
